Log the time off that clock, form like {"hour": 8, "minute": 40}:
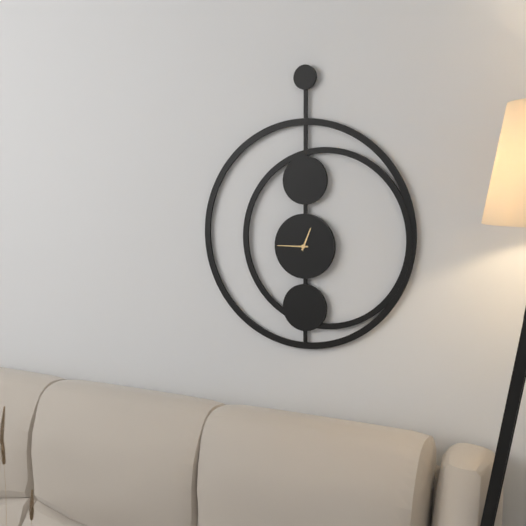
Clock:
{"hour": 12, "minute": 45}
